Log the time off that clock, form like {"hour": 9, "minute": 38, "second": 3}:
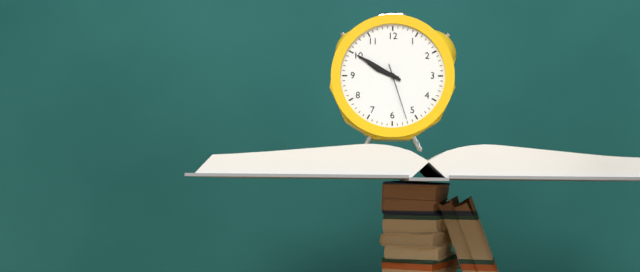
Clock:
{"hour": 9, "minute": 50, "second": 27}
